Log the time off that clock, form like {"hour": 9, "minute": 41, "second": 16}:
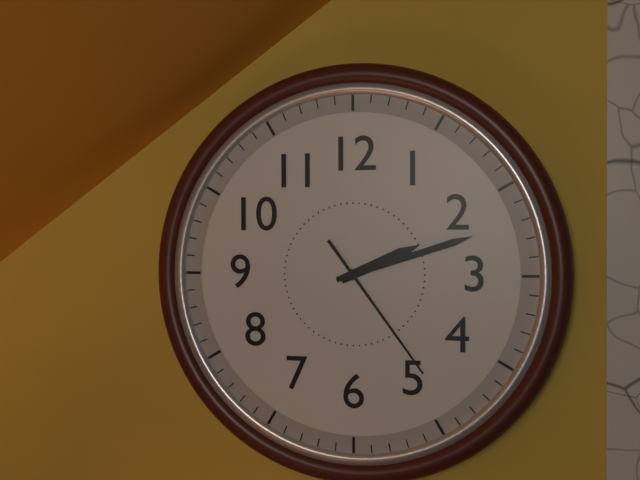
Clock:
{"hour": 2, "minute": 12, "second": 24}
